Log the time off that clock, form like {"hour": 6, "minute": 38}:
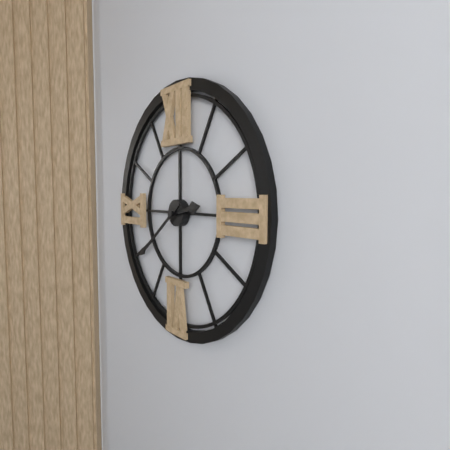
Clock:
{"hour": 2, "minute": 39}
